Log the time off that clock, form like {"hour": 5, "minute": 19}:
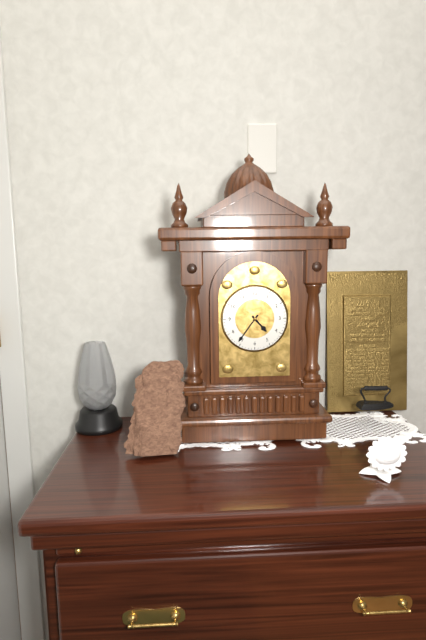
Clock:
{"hour": 4, "minute": 36}
